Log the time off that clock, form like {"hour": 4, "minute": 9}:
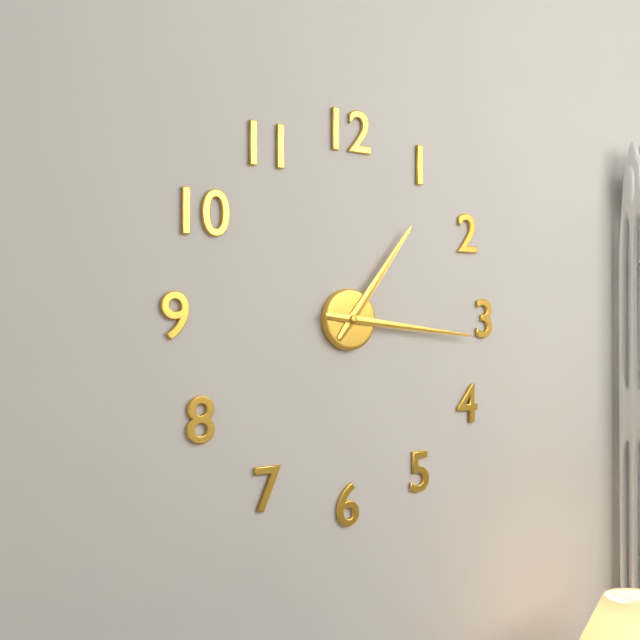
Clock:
{"hour": 1, "minute": 16}
